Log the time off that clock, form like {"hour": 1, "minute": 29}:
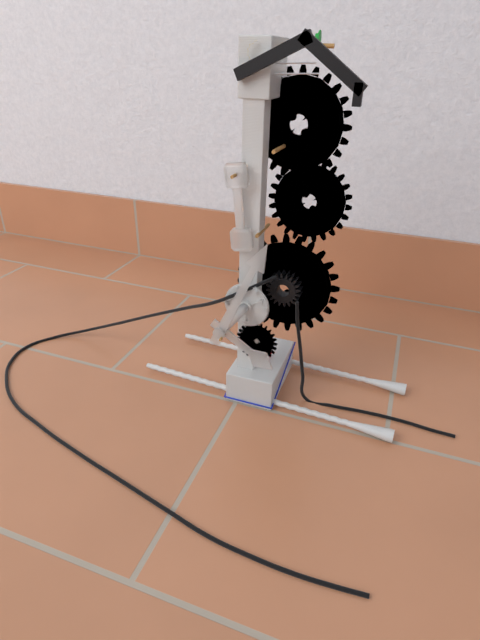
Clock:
{"hour": 4, "minute": 4}
